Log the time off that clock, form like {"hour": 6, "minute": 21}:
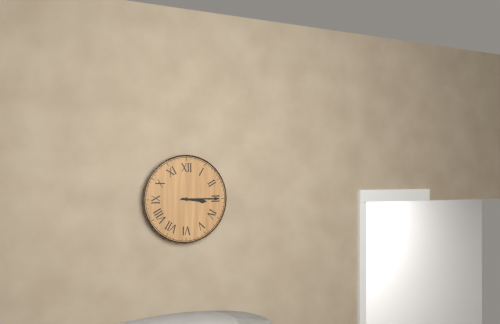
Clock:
{"hour": 3, "minute": 15}
